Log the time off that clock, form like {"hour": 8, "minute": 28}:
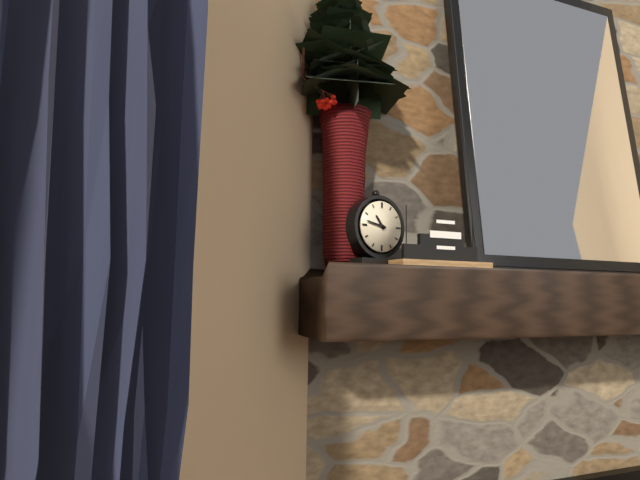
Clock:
{"hour": 10, "minute": 47}
